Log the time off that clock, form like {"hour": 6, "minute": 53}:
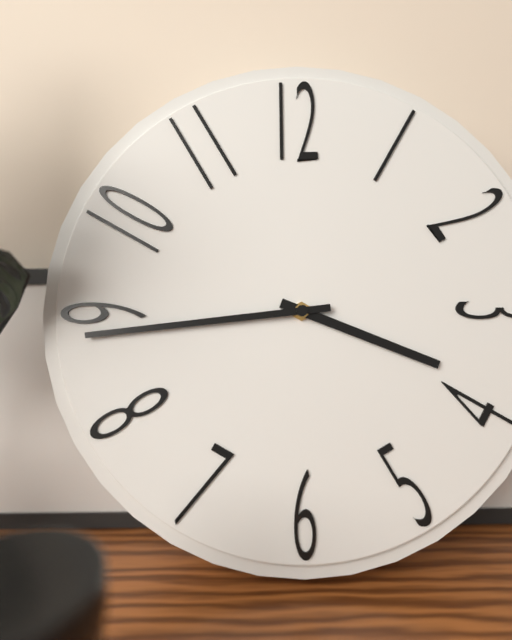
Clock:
{"hour": 3, "minute": 44}
